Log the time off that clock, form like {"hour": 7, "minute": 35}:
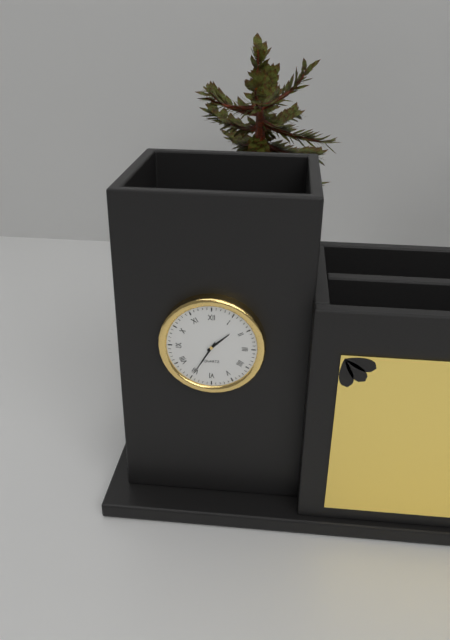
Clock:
{"hour": 1, "minute": 35}
